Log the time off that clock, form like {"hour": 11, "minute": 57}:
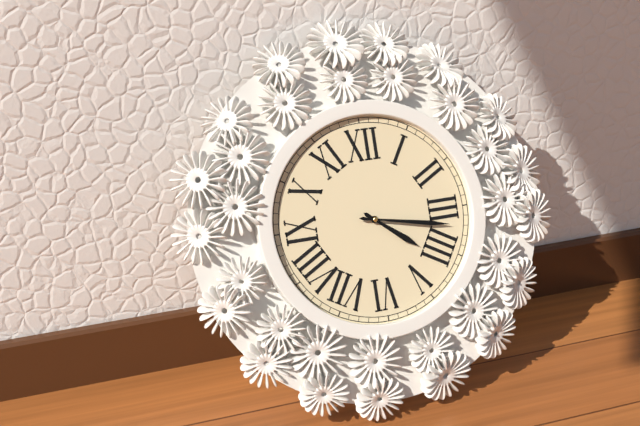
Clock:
{"hour": 4, "minute": 17}
